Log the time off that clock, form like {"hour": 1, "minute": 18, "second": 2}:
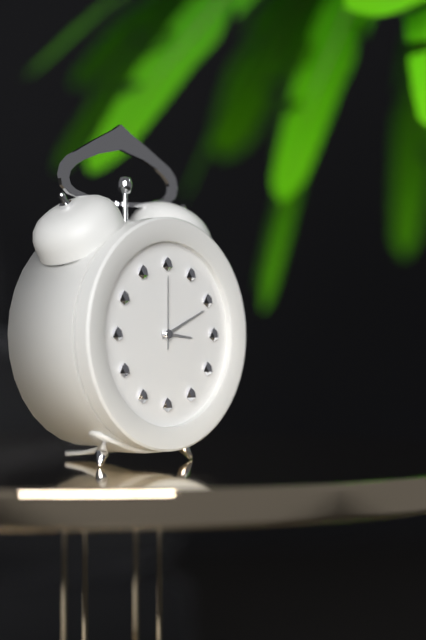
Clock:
{"hour": 3, "minute": 11, "second": 0}
